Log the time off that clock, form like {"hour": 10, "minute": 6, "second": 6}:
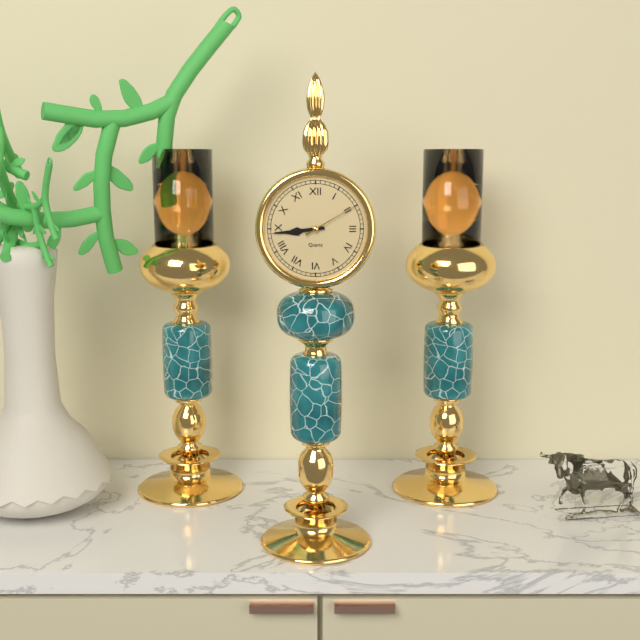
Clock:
{"hour": 8, "minute": 44, "second": 10}
